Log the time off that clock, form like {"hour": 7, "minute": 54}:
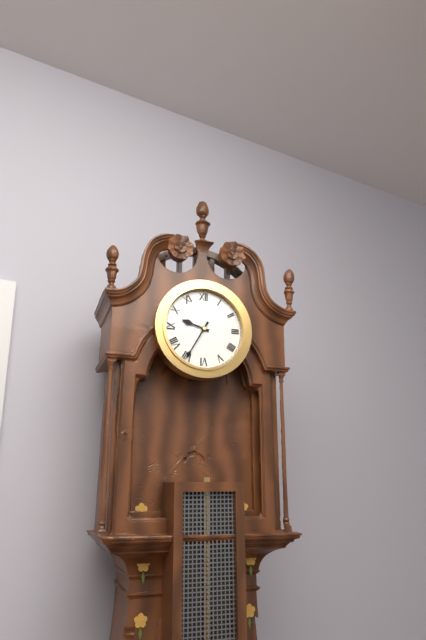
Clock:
{"hour": 9, "minute": 35}
